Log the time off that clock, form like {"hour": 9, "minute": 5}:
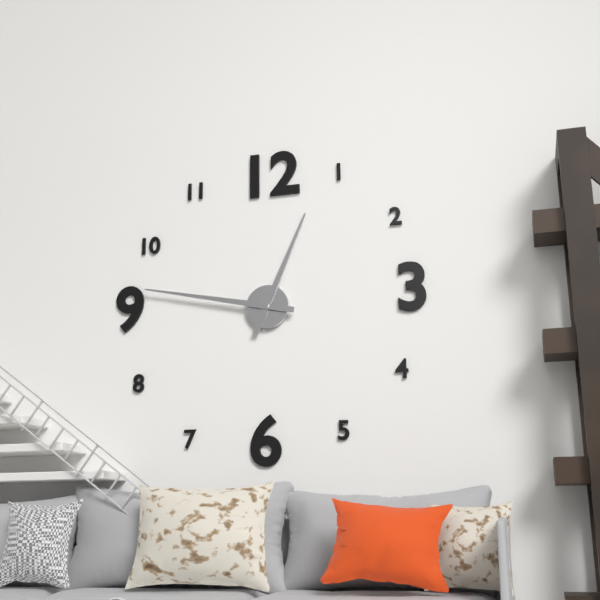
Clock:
{"hour": 12, "minute": 47}
